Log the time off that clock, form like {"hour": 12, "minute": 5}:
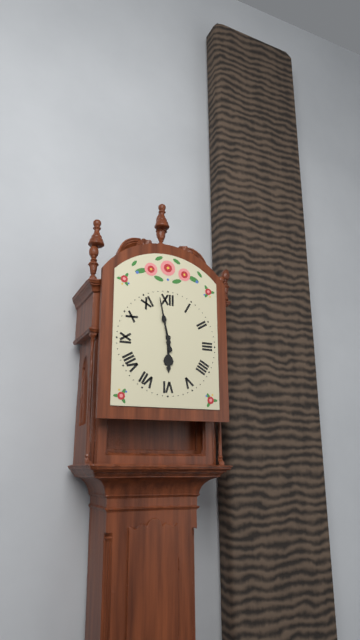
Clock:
{"hour": 5, "minute": 58}
